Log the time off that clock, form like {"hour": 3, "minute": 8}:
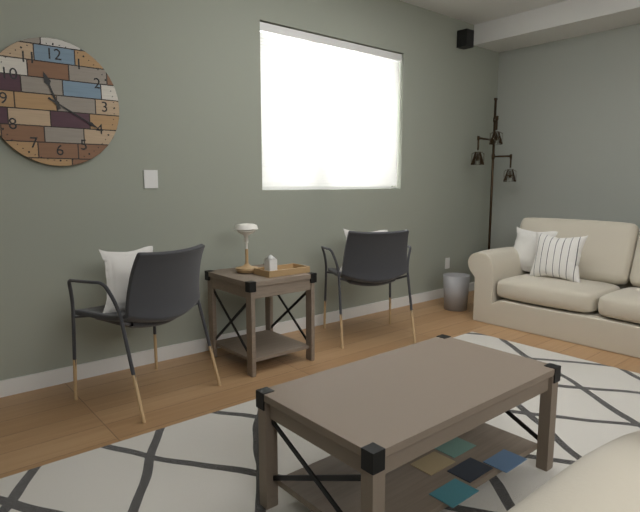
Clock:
{"hour": 11, "minute": 20}
